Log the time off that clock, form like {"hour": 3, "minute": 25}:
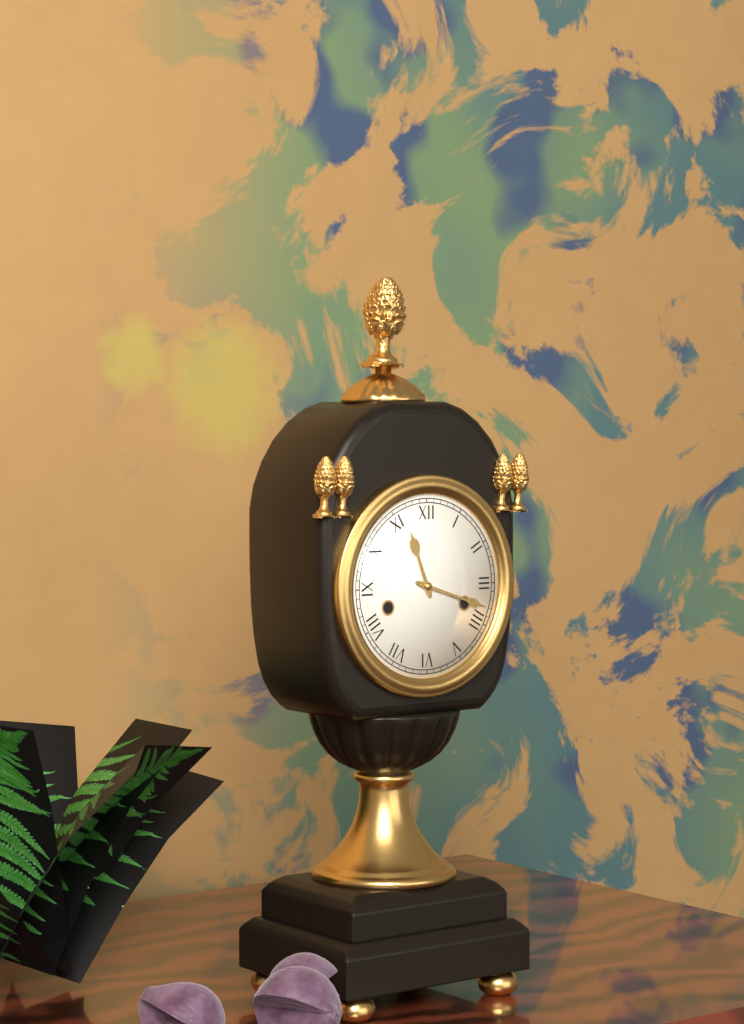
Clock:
{"hour": 11, "minute": 18}
